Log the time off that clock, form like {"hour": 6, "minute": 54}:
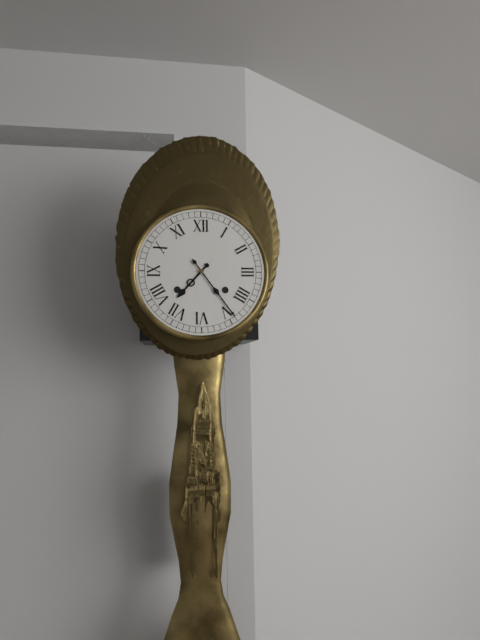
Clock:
{"hour": 7, "minute": 24}
